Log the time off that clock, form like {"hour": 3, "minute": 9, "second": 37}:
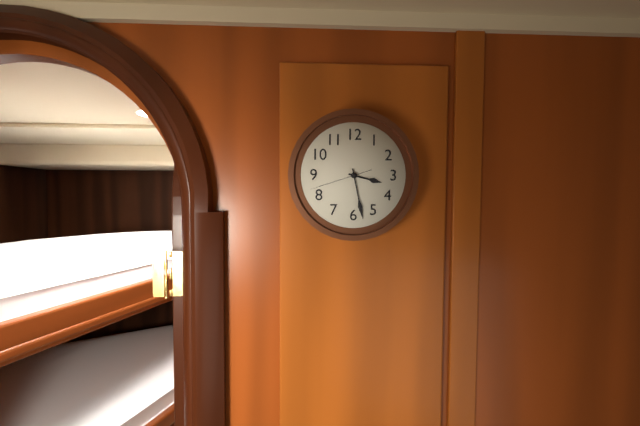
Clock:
{"hour": 3, "minute": 28, "second": 42}
